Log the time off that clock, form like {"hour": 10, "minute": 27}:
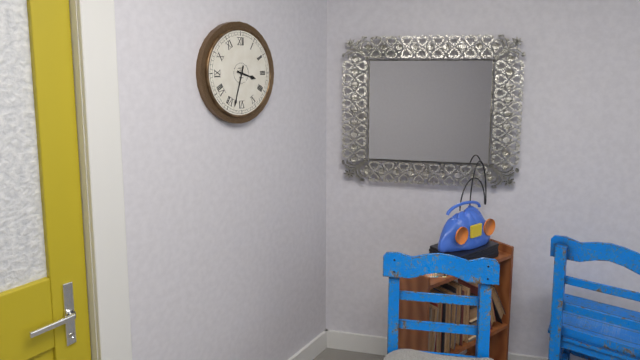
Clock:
{"hour": 3, "minute": 33}
